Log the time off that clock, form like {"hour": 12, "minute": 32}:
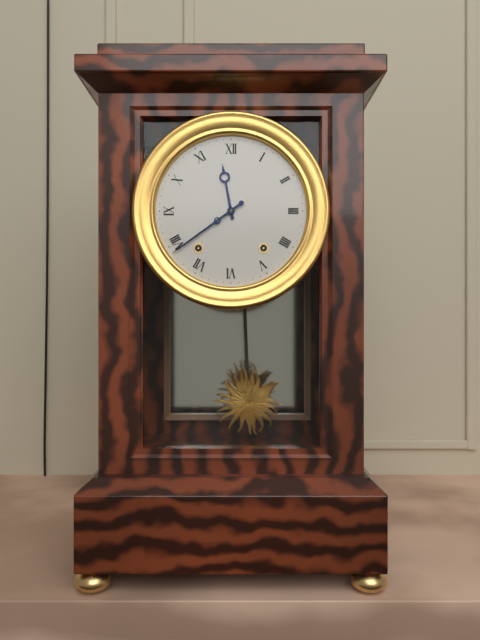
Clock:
{"hour": 11, "minute": 39}
